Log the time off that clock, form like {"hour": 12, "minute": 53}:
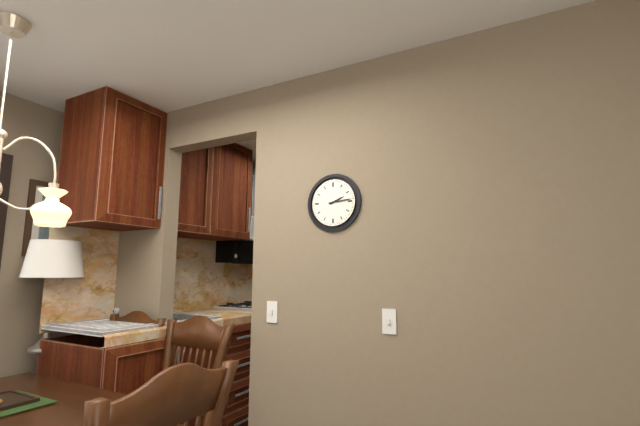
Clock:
{"hour": 2, "minute": 14}
